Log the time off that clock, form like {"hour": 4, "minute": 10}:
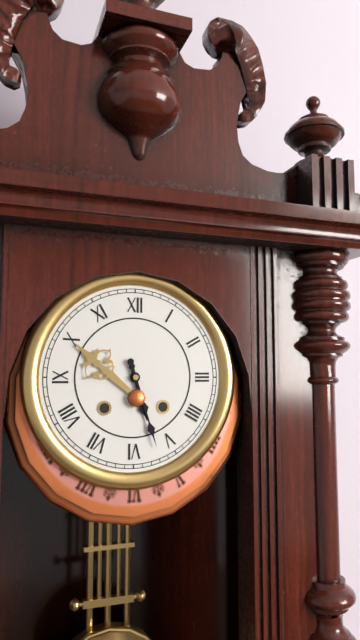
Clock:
{"hour": 5, "minute": 27}
